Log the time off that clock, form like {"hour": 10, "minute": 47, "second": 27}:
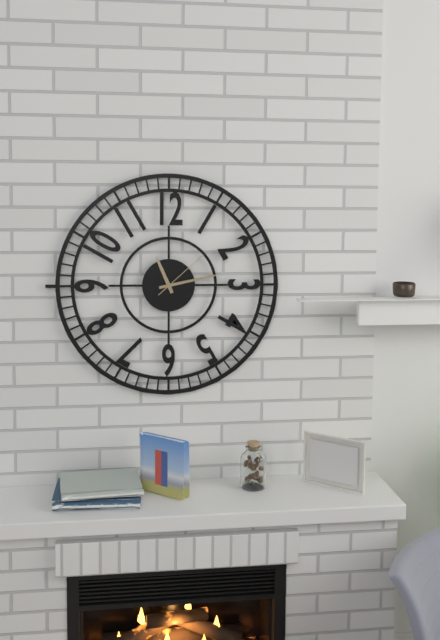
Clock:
{"hour": 11, "minute": 13, "second": 8}
